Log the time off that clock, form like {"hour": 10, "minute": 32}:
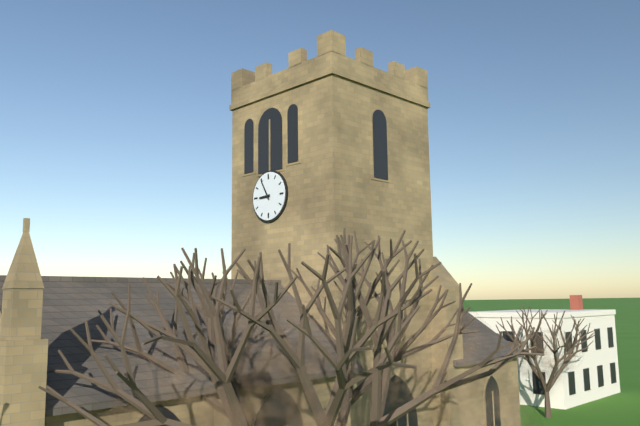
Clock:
{"hour": 8, "minute": 55}
